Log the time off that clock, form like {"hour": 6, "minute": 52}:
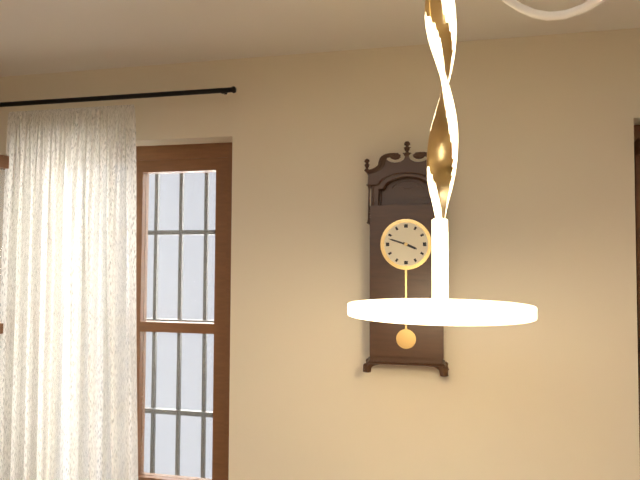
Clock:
{"hour": 3, "minute": 48}
